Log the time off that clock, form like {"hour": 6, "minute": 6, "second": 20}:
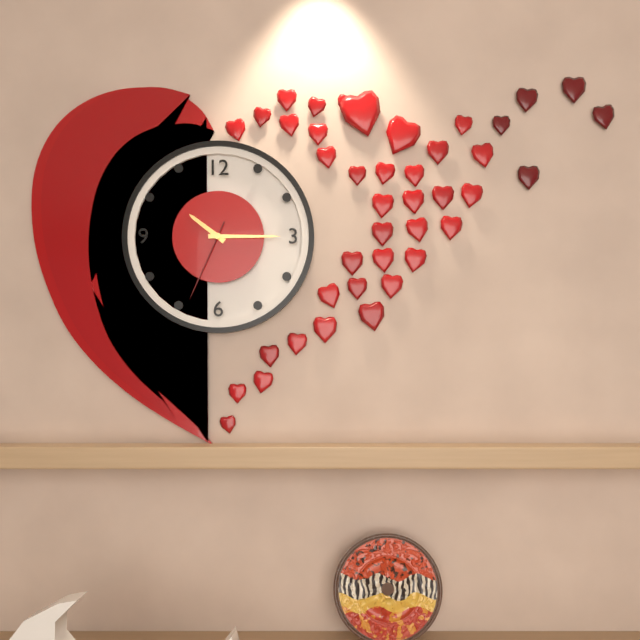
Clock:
{"hour": 10, "minute": 15, "second": 34}
